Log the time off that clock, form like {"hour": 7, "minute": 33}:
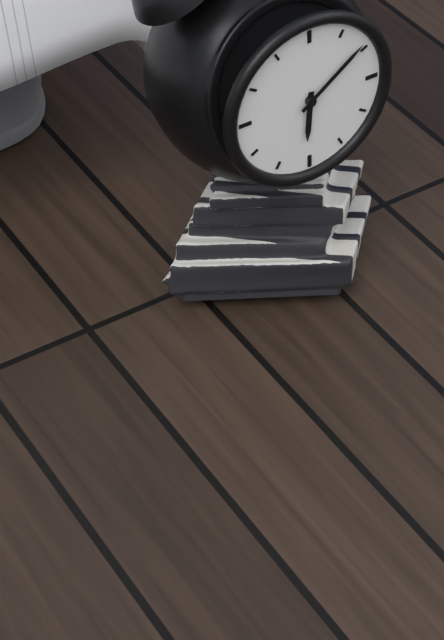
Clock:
{"hour": 6, "minute": 9}
